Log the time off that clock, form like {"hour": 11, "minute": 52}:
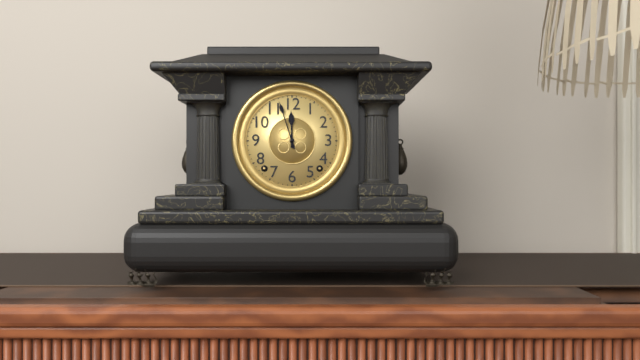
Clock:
{"hour": 11, "minute": 57}
